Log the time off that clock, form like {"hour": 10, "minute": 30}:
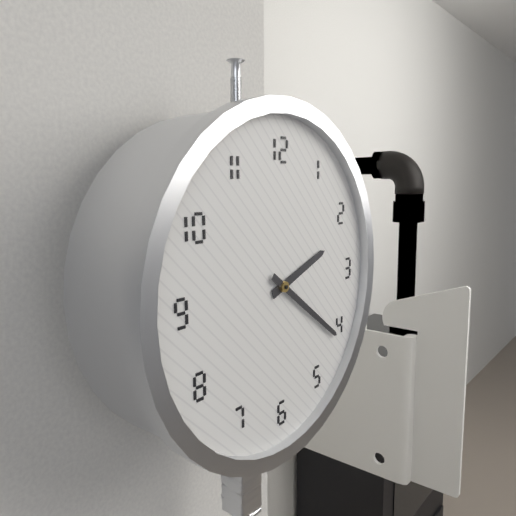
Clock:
{"hour": 2, "minute": 21}
